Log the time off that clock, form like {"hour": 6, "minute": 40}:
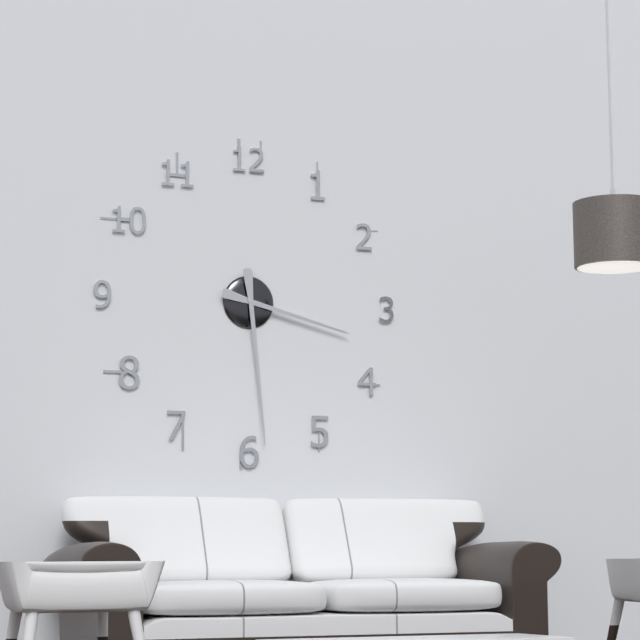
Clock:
{"hour": 3, "minute": 29}
